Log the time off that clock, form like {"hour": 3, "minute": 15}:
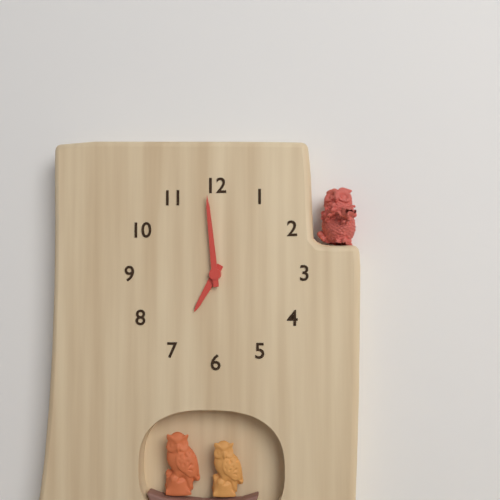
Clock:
{"hour": 6, "minute": 59}
